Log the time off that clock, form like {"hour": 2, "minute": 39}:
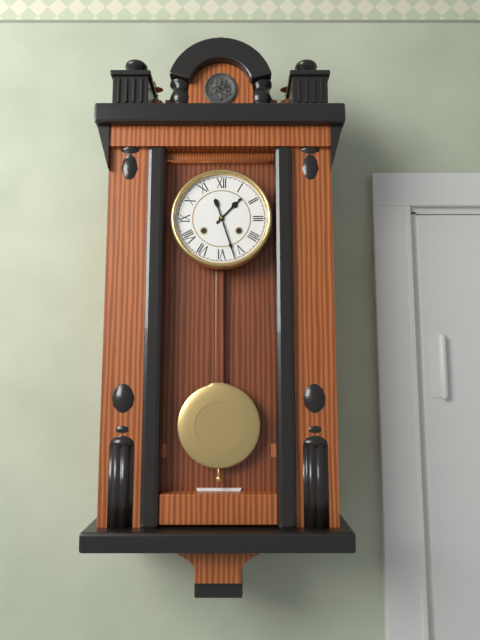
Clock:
{"hour": 1, "minute": 27}
